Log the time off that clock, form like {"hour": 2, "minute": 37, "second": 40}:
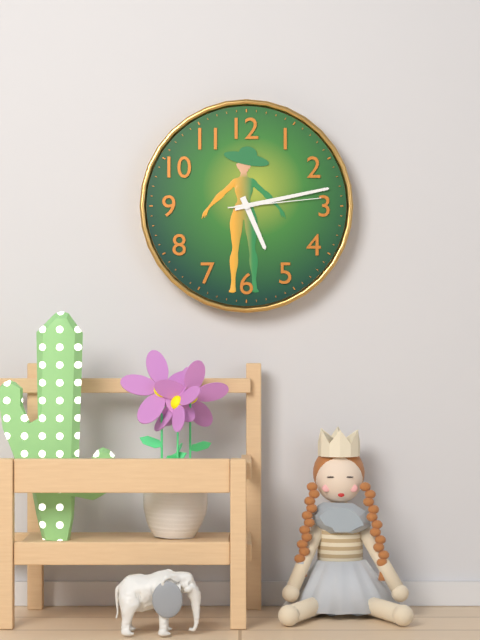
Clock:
{"hour": 5, "minute": 13, "second": 14}
